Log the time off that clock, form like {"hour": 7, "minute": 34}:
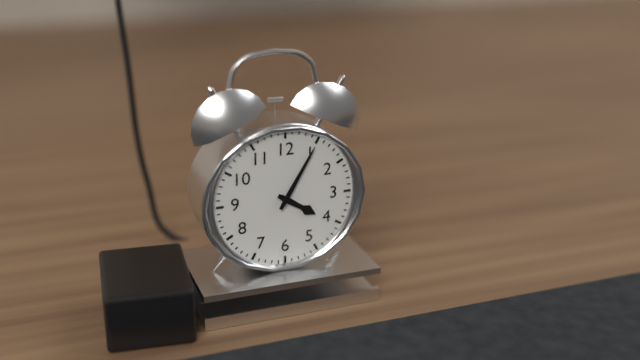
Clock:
{"hour": 4, "minute": 5}
